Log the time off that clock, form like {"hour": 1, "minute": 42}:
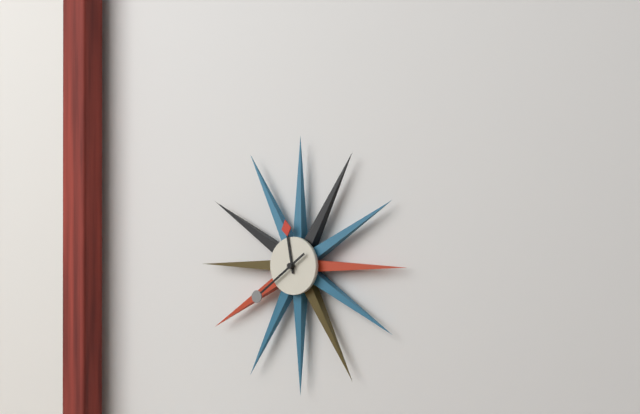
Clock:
{"hour": 11, "minute": 39}
